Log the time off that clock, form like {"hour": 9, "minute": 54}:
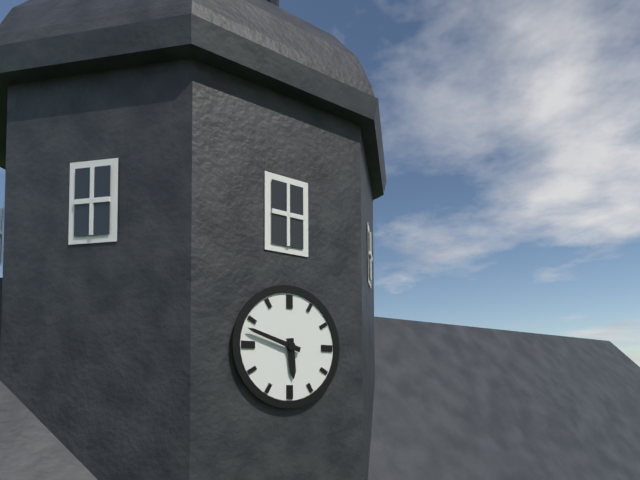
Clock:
{"hour": 5, "minute": 48}
